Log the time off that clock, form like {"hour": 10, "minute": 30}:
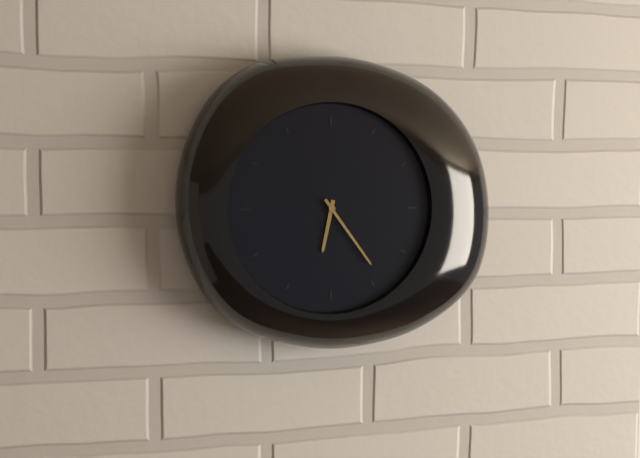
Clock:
{"hour": 6, "minute": 24}
